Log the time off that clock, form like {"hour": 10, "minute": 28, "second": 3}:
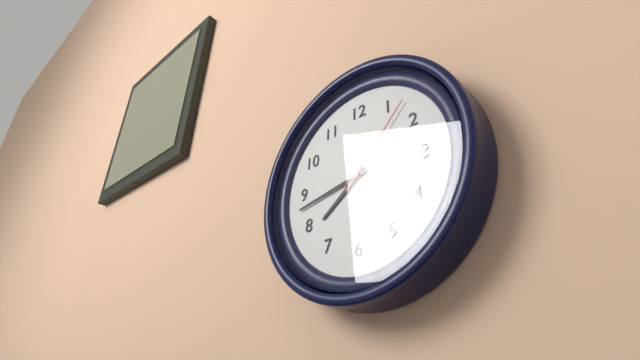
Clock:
{"hour": 7, "minute": 43, "second": 7}
